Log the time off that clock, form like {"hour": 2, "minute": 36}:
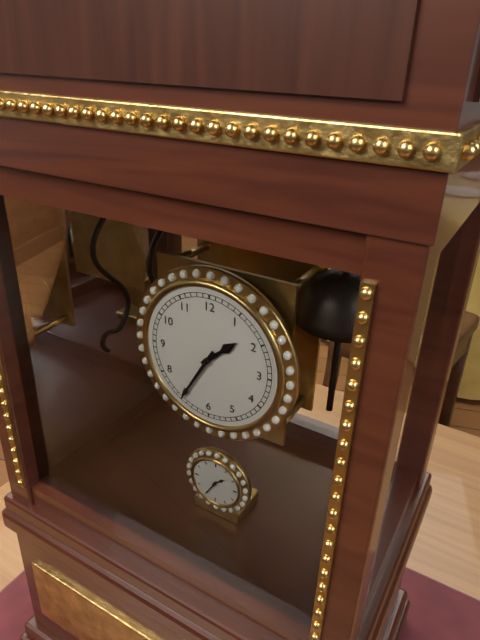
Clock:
{"hour": 1, "minute": 35}
